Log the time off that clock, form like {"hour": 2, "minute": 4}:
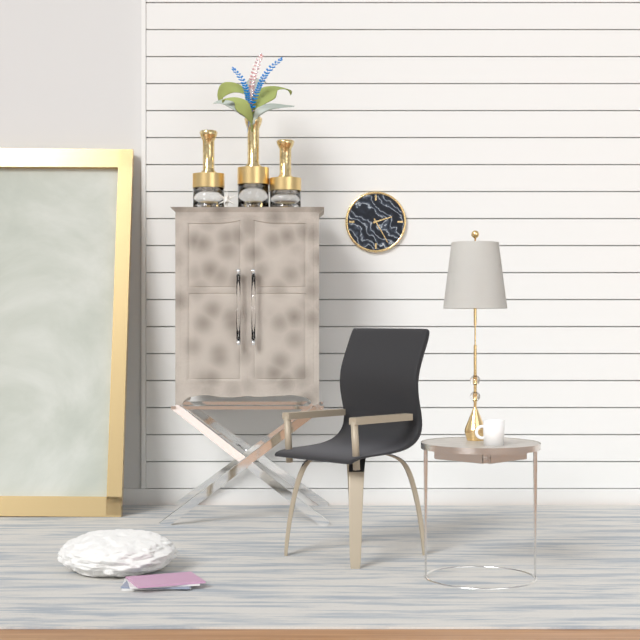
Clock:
{"hour": 2, "minute": 25}
